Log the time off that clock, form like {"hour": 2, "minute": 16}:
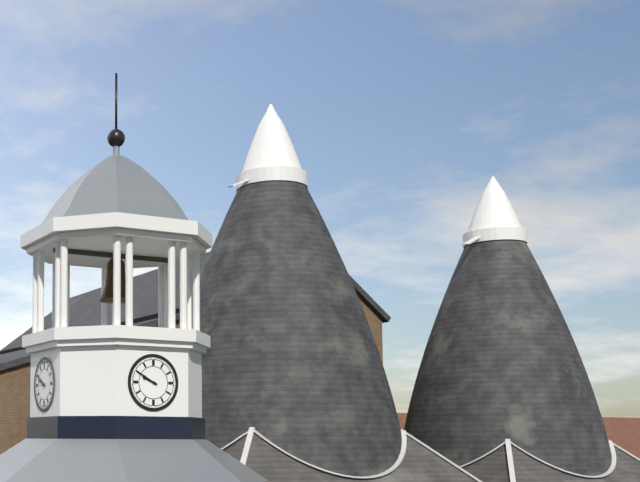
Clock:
{"hour": 9, "minute": 50}
